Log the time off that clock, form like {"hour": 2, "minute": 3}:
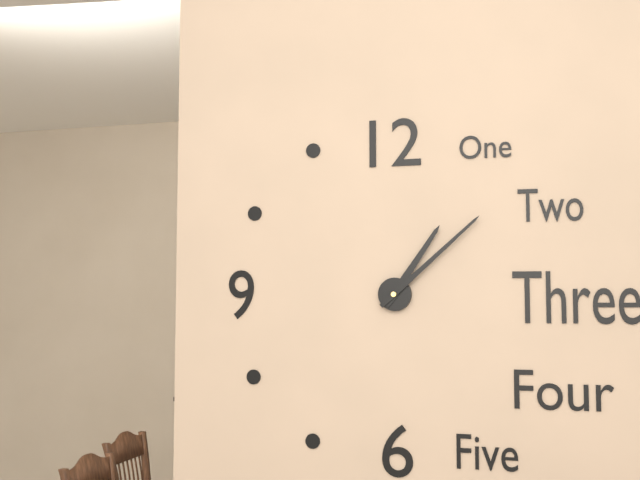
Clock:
{"hour": 1, "minute": 8}
